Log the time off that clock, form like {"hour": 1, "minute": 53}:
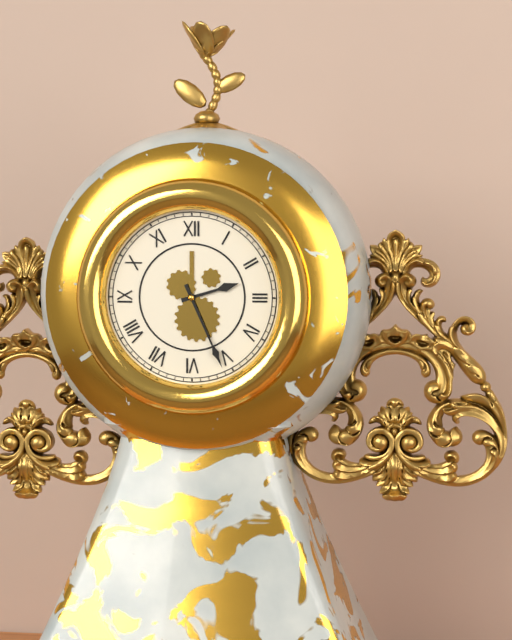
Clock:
{"hour": 2, "minute": 26}
